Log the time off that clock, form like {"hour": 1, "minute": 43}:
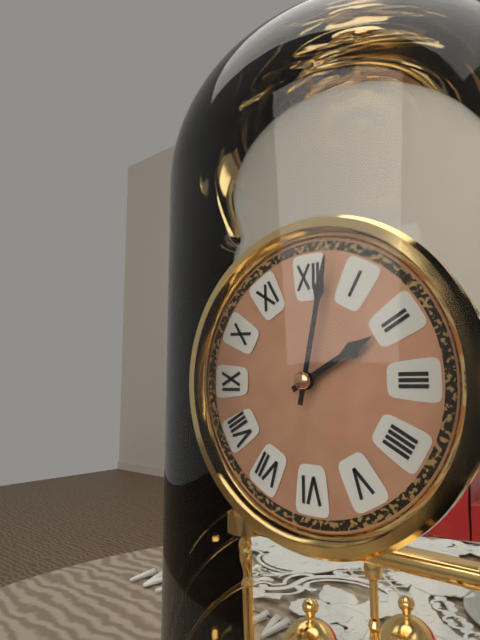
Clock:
{"hour": 2, "minute": 2}
